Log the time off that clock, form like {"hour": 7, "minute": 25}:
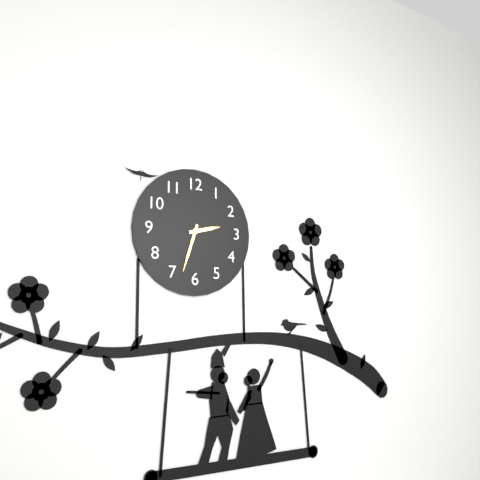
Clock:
{"hour": 2, "minute": 33}
